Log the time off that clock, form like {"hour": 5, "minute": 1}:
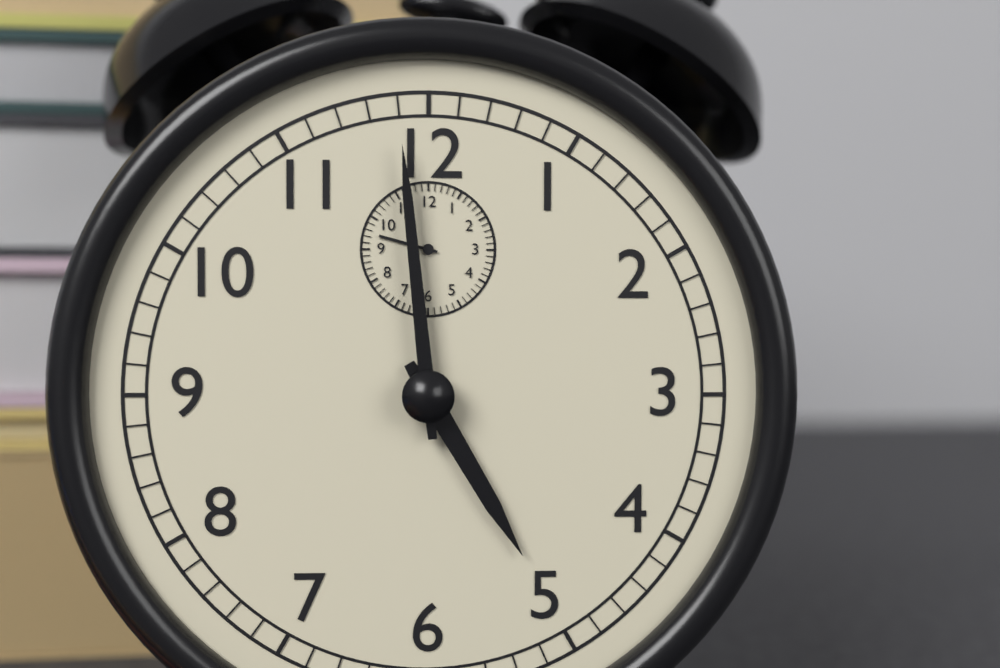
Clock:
{"hour": 4, "minute": 59}
